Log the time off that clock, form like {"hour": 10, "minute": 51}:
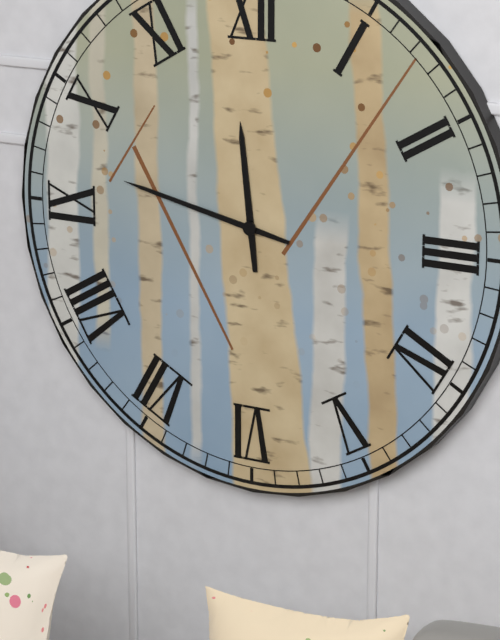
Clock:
{"hour": 11, "minute": 47}
